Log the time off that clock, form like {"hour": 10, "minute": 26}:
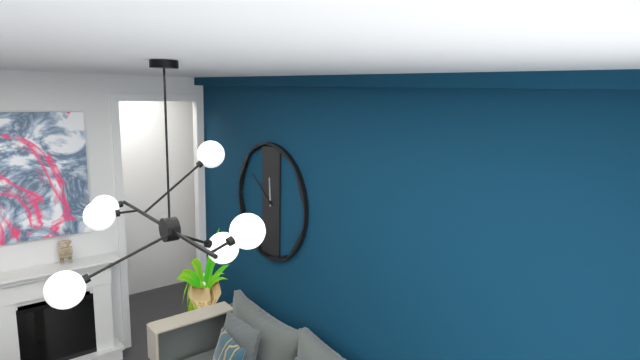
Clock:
{"hour": 11, "minute": 51}
